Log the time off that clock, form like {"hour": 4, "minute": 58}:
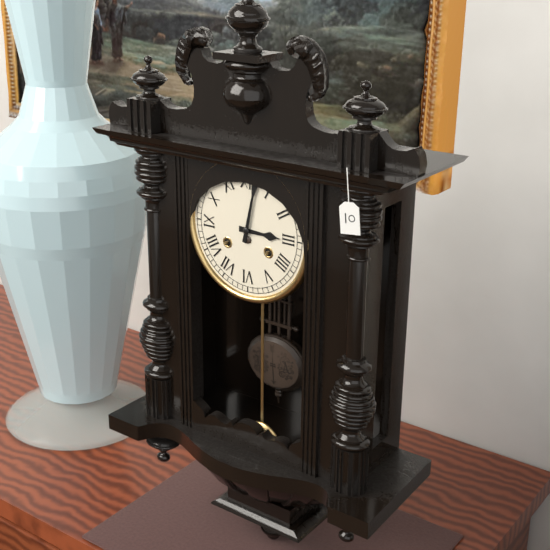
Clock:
{"hour": 3, "minute": 2}
